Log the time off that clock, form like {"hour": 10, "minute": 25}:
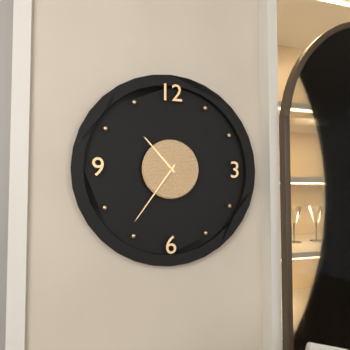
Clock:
{"hour": 10, "minute": 36}
